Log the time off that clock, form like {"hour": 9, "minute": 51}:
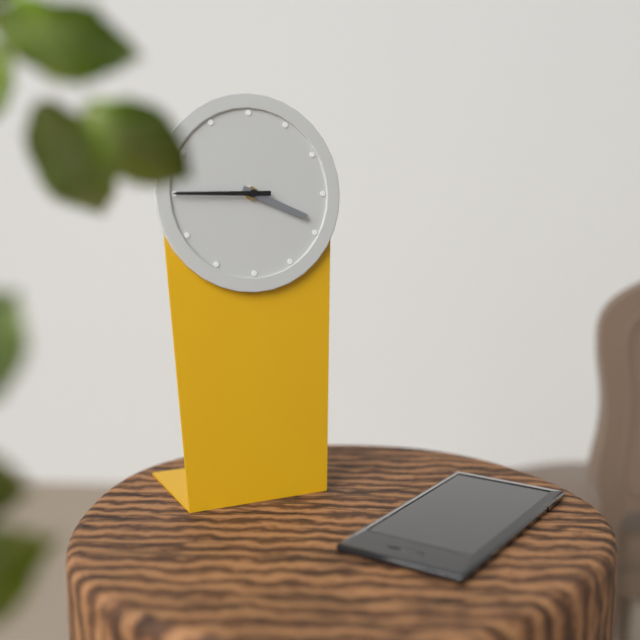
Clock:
{"hour": 3, "minute": 45}
